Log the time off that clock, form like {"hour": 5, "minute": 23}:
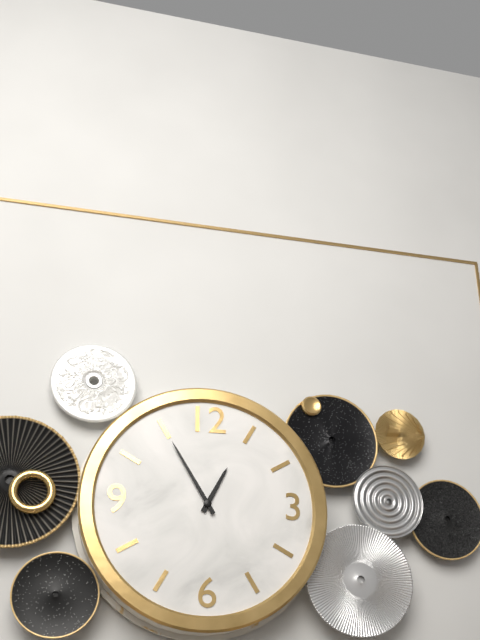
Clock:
{"hour": 12, "minute": 55}
